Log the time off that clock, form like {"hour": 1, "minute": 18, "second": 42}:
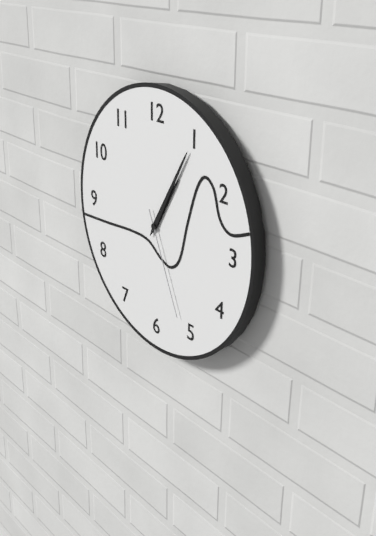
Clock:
{"hour": 1, "minute": 5, "second": 26}
